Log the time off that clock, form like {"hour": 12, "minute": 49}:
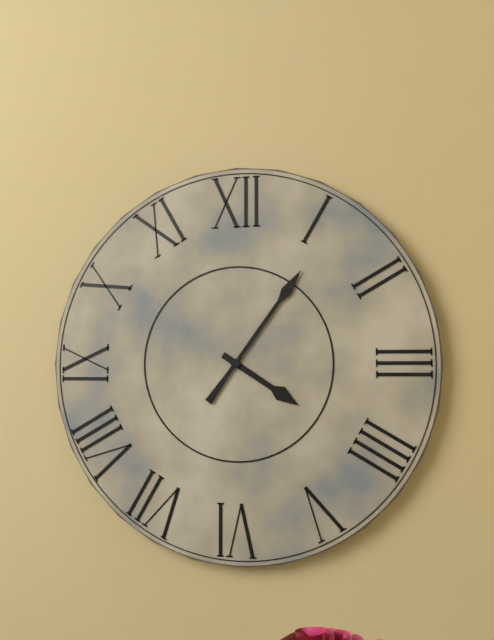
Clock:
{"hour": 4, "minute": 6}
